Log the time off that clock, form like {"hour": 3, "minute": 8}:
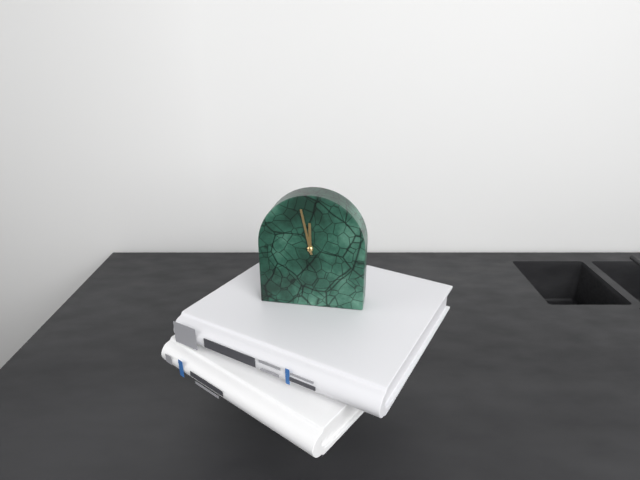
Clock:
{"hour": 11, "minute": 58}
